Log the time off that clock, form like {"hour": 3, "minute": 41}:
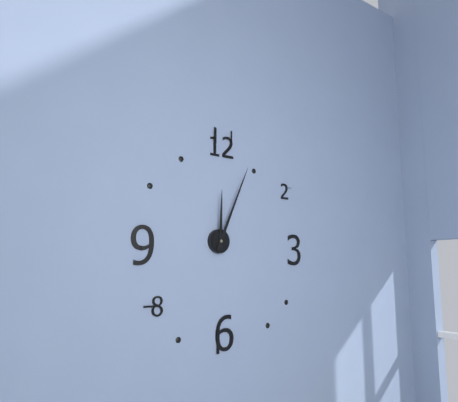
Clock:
{"hour": 12, "minute": 4}
